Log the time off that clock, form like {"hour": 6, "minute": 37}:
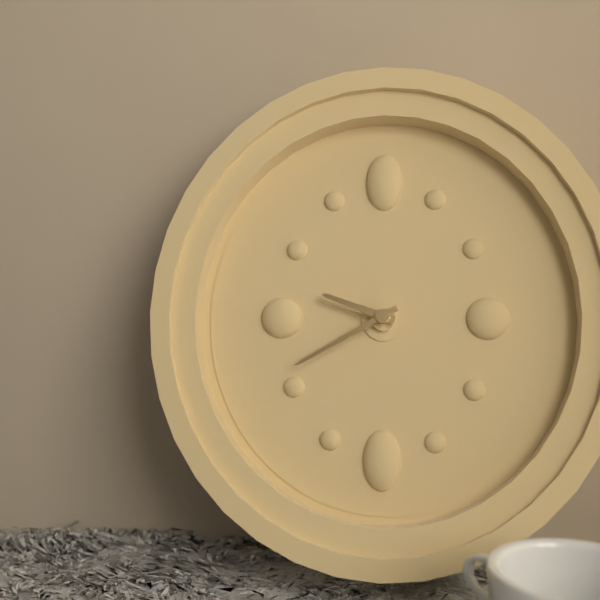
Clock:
{"hour": 9, "minute": 40}
